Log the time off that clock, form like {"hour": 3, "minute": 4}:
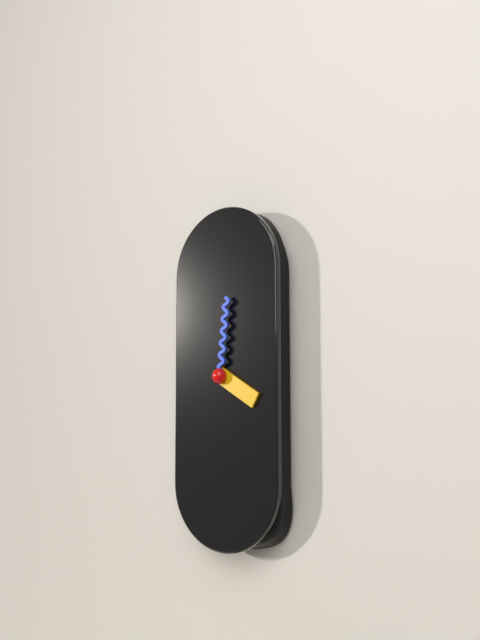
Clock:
{"hour": 4, "minute": 1}
